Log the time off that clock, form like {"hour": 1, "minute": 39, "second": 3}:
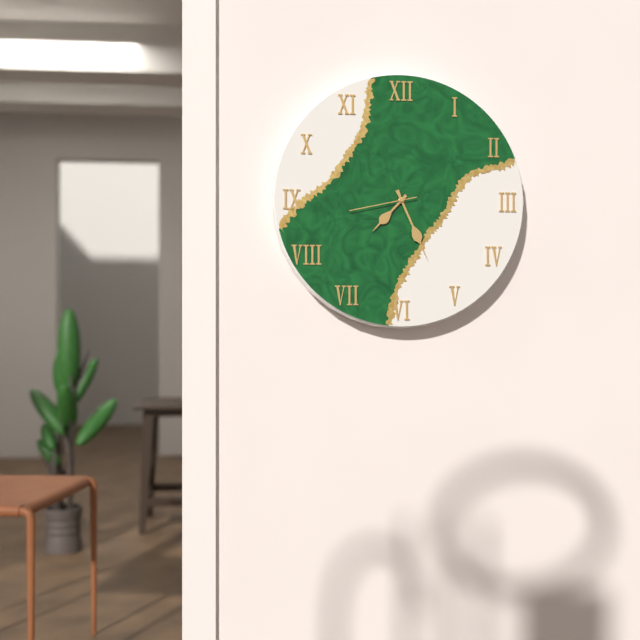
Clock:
{"hour": 7, "minute": 26, "second": 43}
